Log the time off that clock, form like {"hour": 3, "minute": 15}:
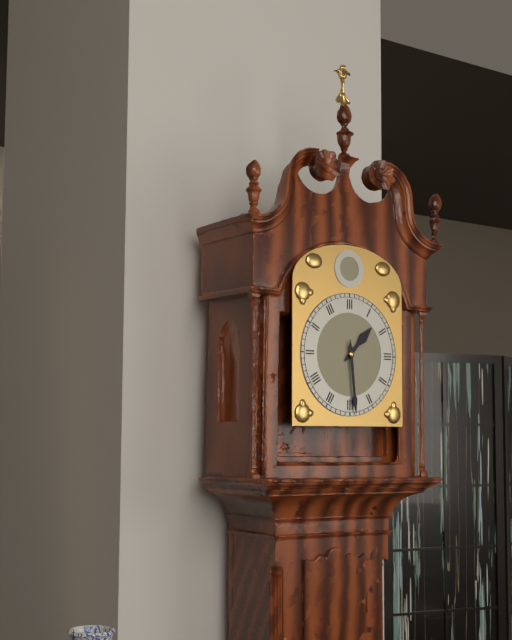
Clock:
{"hour": 1, "minute": 29}
